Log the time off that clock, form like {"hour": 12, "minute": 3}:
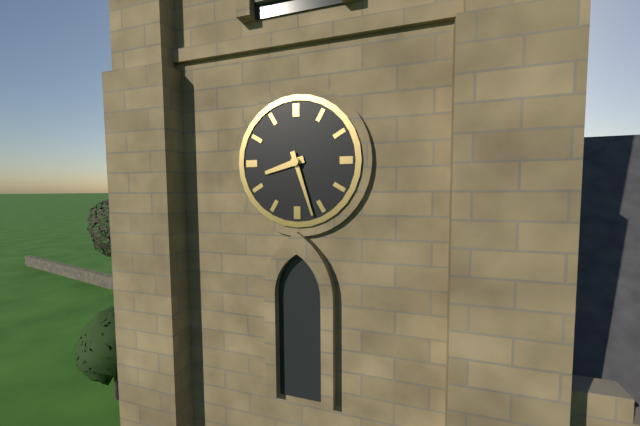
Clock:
{"hour": 8, "minute": 27}
